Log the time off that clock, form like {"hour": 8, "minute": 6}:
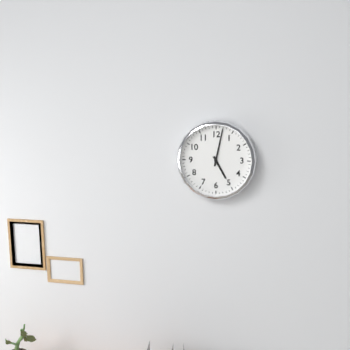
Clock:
{"hour": 5, "minute": 2}
